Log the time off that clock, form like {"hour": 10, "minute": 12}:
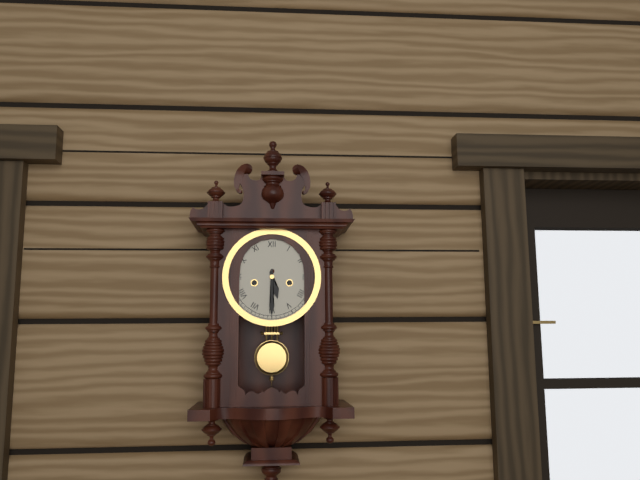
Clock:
{"hour": 5, "minute": 30}
